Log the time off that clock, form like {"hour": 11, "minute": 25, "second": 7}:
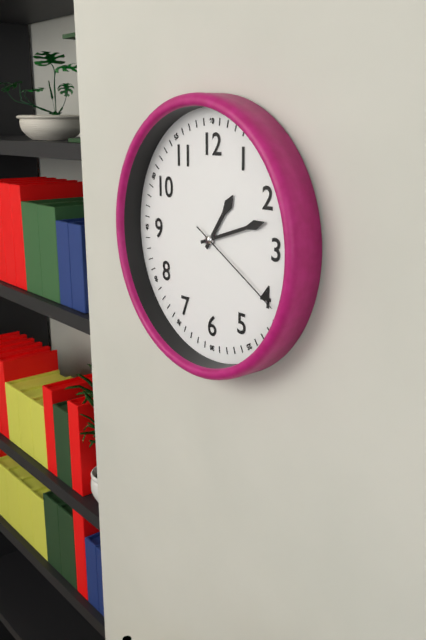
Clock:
{"hour": 1, "minute": 12, "second": 20}
